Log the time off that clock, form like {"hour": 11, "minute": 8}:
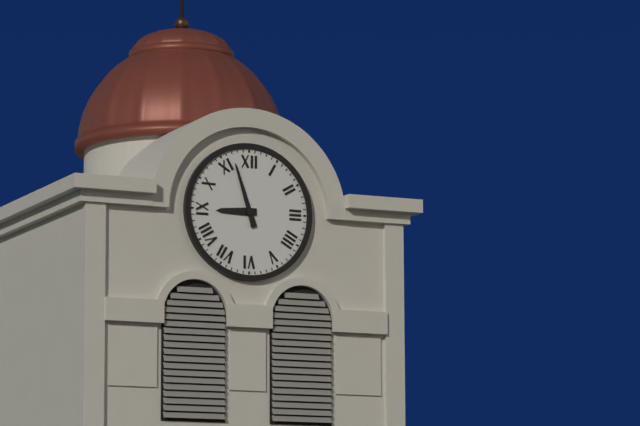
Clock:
{"hour": 8, "minute": 57}
